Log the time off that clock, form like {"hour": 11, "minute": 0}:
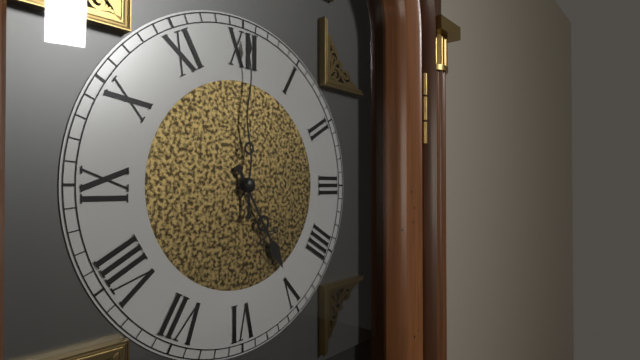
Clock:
{"hour": 5, "minute": 0}
